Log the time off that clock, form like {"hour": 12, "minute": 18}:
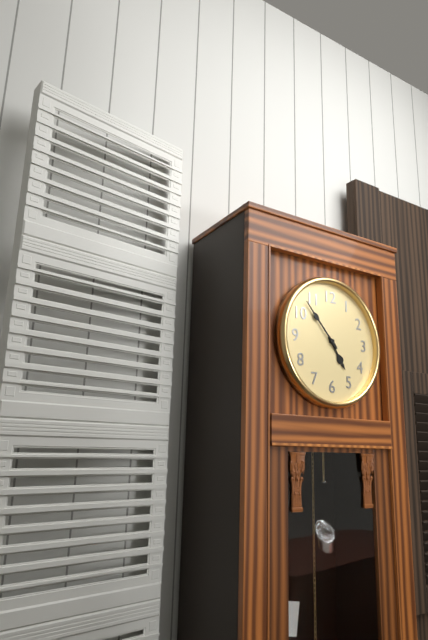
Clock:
{"hour": 4, "minute": 53}
